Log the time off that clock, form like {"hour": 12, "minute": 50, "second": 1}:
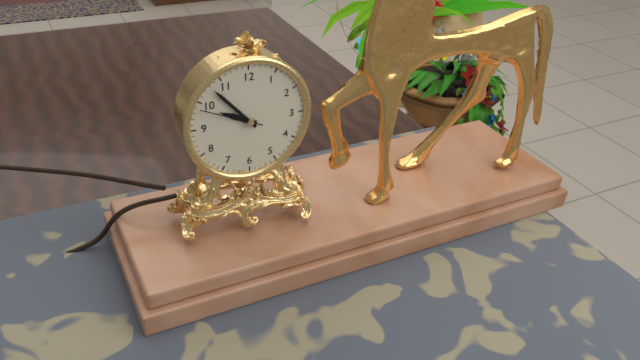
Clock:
{"hour": 9, "minute": 53, "second": 49}
